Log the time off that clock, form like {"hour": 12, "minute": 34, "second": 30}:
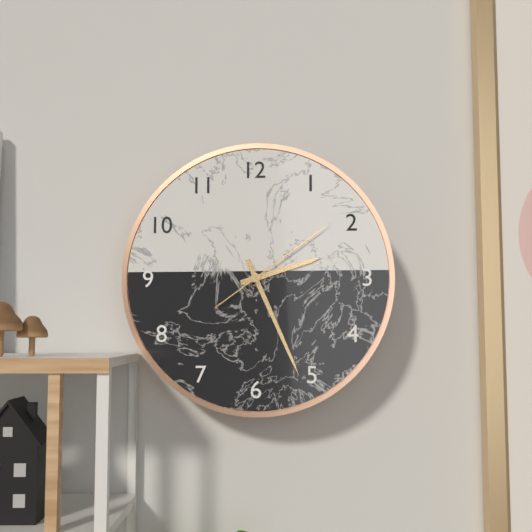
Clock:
{"hour": 2, "minute": 26, "second": 9}
